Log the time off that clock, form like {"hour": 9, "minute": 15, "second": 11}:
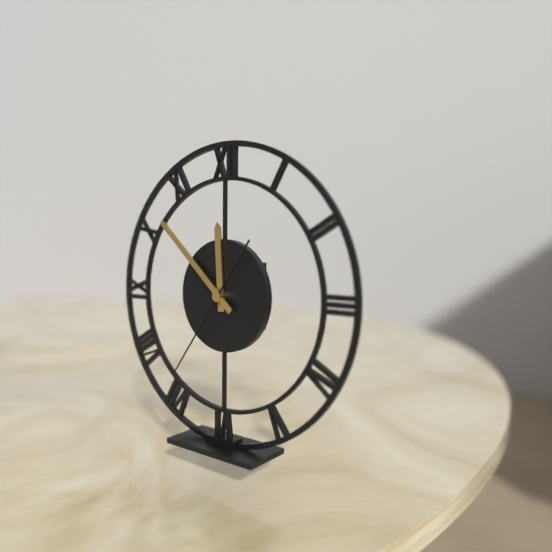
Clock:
{"hour": 11, "minute": 52, "second": 36}
